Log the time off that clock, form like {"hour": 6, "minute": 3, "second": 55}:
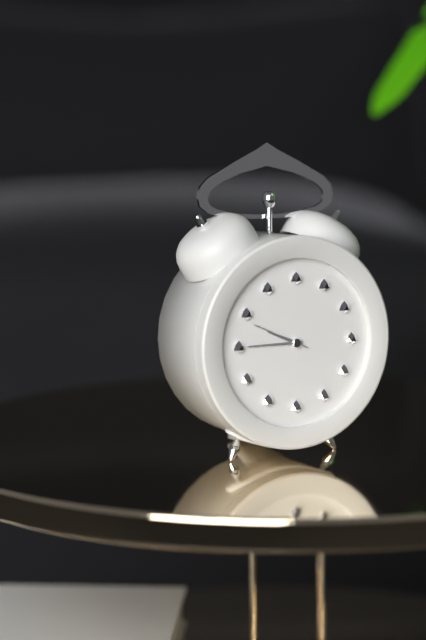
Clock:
{"hour": 9, "minute": 45, "second": 49}
